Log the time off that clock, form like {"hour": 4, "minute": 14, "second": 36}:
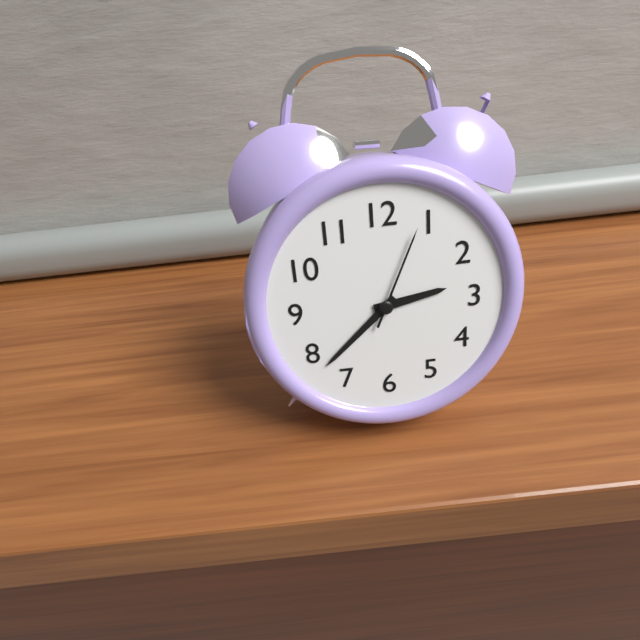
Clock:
{"hour": 2, "minute": 38, "second": 4}
